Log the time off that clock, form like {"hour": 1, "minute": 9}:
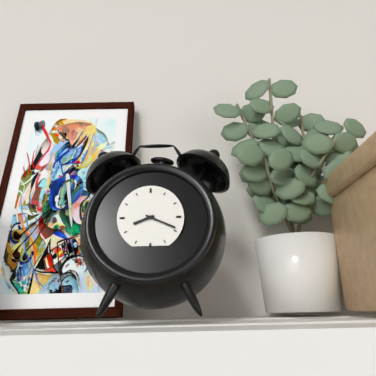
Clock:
{"hour": 8, "minute": 19}
